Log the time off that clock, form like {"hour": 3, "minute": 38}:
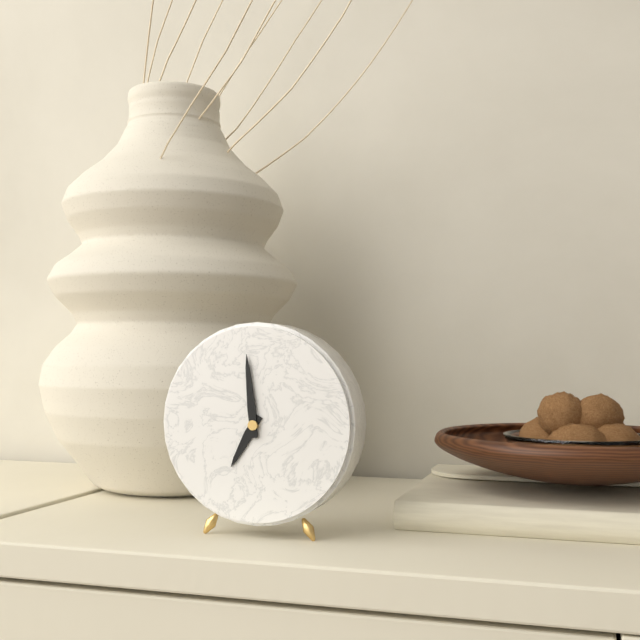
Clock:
{"hour": 6, "minute": 59}
